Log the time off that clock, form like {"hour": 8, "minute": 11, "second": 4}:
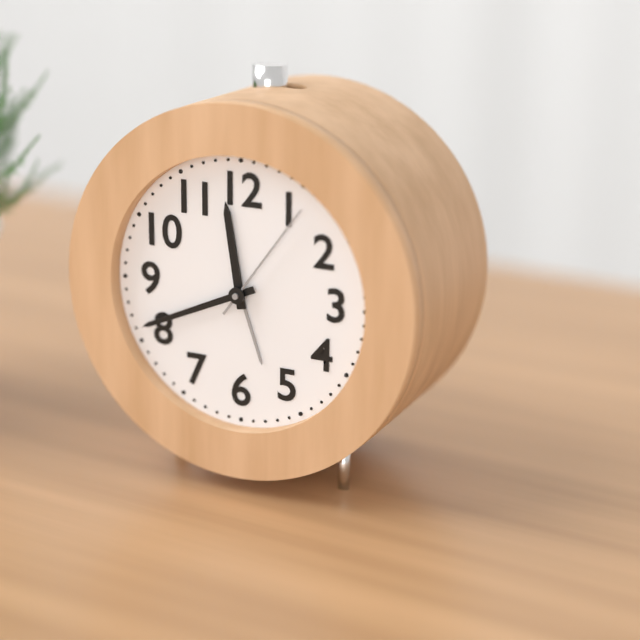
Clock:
{"hour": 11, "minute": 41, "second": 6}
